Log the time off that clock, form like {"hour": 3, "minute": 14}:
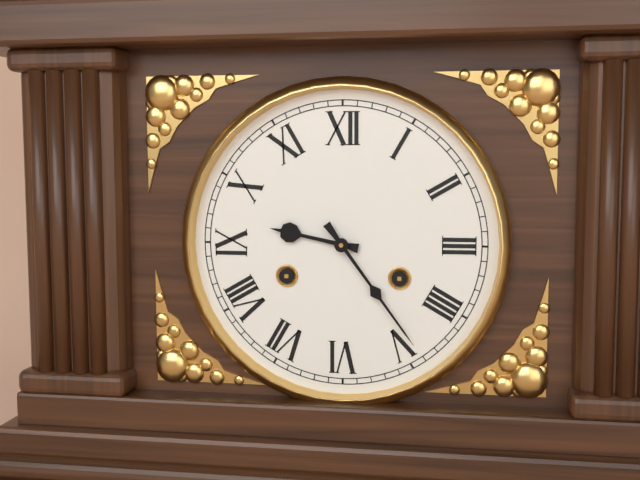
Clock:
{"hour": 9, "minute": 24}
